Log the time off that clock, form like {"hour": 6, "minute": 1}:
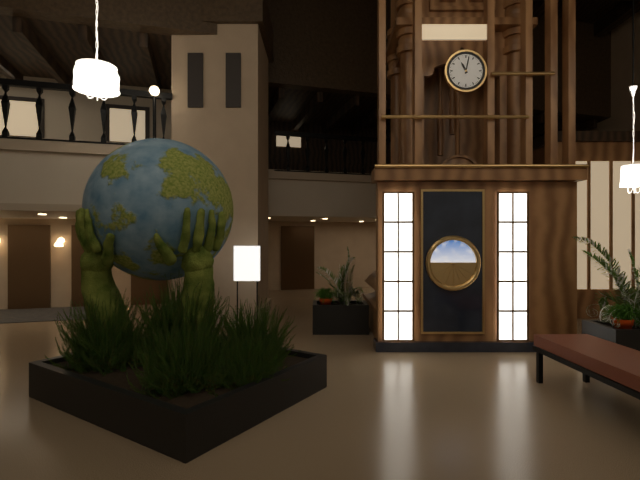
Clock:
{"hour": 11, "minute": 2}
